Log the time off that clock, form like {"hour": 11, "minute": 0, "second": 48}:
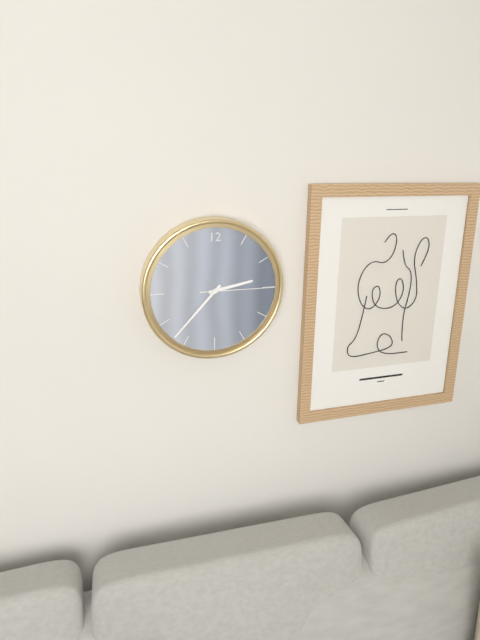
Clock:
{"hour": 2, "minute": 37, "second": 15}
